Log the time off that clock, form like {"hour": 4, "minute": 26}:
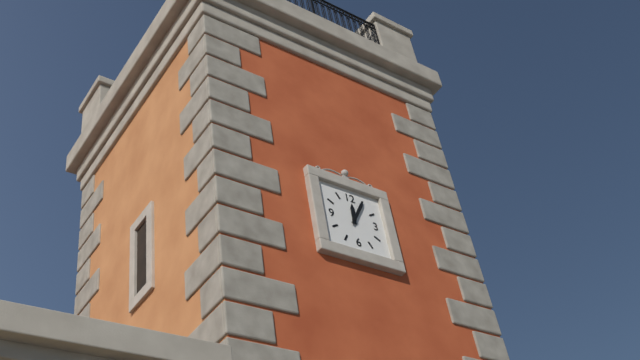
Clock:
{"hour": 12, "minute": 5}
